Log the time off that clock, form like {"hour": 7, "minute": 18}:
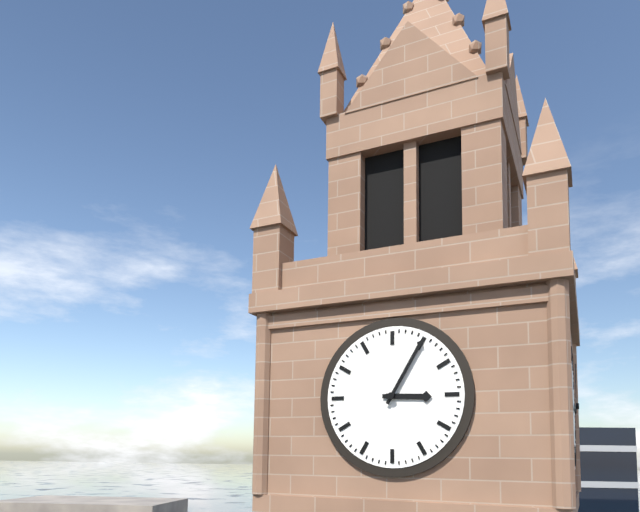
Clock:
{"hour": 3, "minute": 5}
